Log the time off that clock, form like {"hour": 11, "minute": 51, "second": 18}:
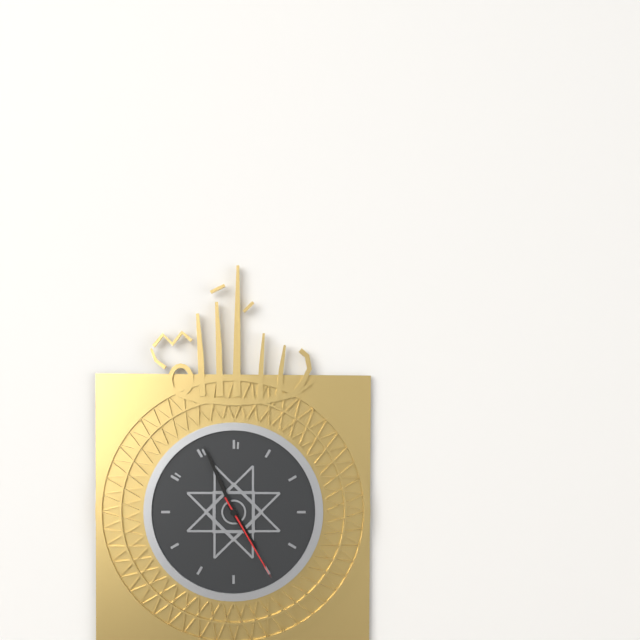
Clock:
{"hour": 4, "minute": 56, "second": 25}
